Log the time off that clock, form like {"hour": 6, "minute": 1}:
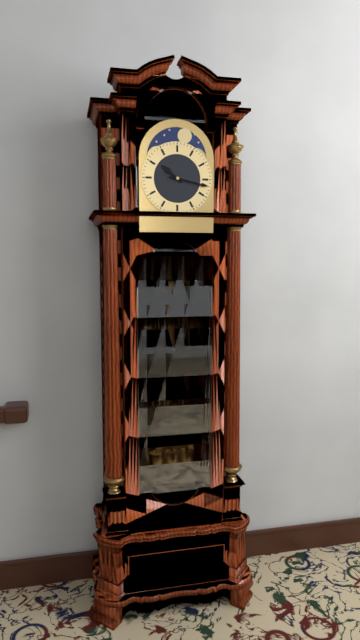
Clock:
{"hour": 10, "minute": 17}
